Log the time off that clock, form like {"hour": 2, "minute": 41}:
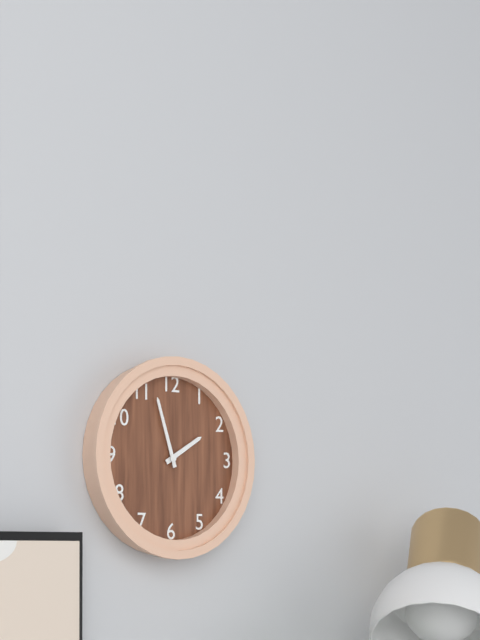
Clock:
{"hour": 1, "minute": 57}
